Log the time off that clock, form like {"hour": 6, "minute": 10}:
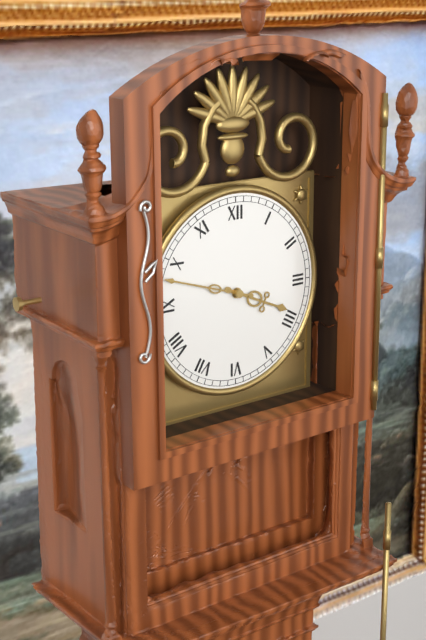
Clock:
{"hour": 3, "minute": 48}
